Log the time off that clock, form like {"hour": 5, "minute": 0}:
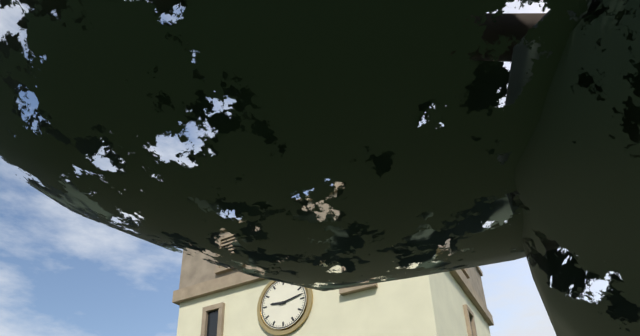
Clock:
{"hour": 9, "minute": 13}
